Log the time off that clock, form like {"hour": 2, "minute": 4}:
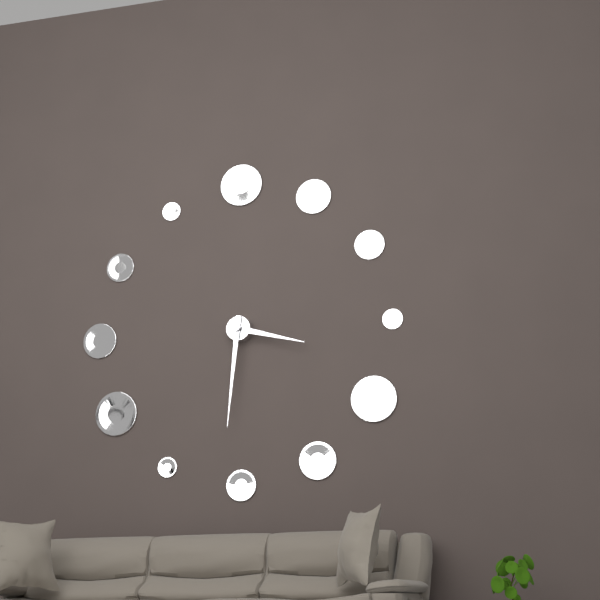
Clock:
{"hour": 3, "minute": 31}
